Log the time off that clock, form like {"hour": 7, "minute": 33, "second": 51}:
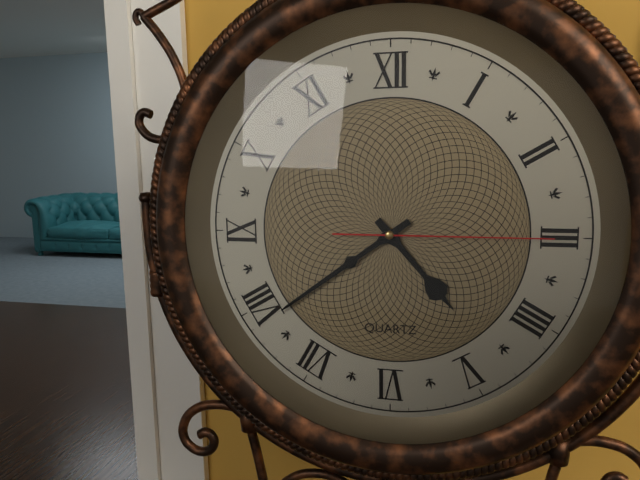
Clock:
{"hour": 4, "minute": 39, "second": 15}
